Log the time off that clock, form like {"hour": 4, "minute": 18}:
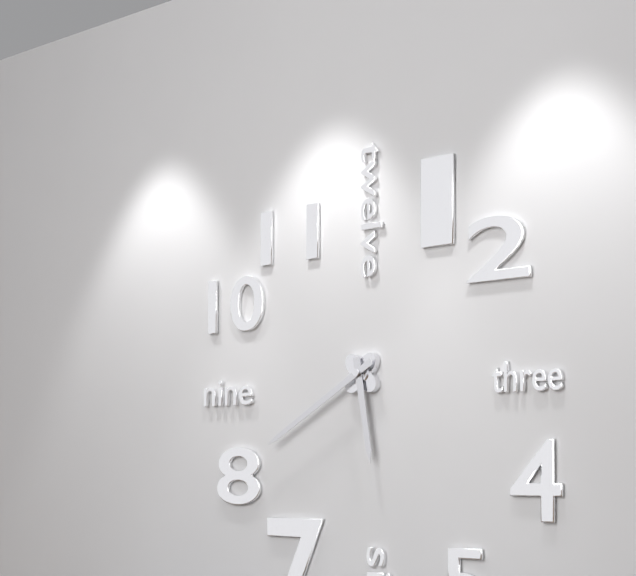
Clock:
{"hour": 5, "minute": 40}
